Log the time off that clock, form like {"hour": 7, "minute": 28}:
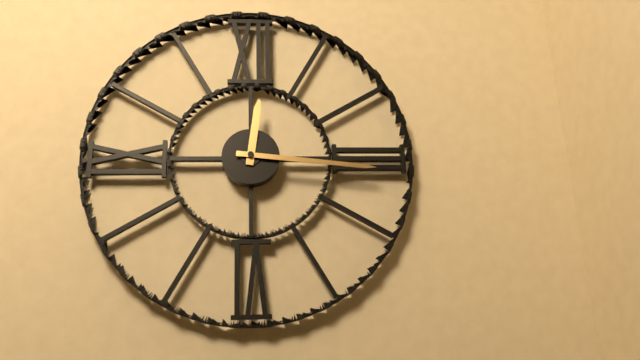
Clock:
{"hour": 12, "minute": 16}
